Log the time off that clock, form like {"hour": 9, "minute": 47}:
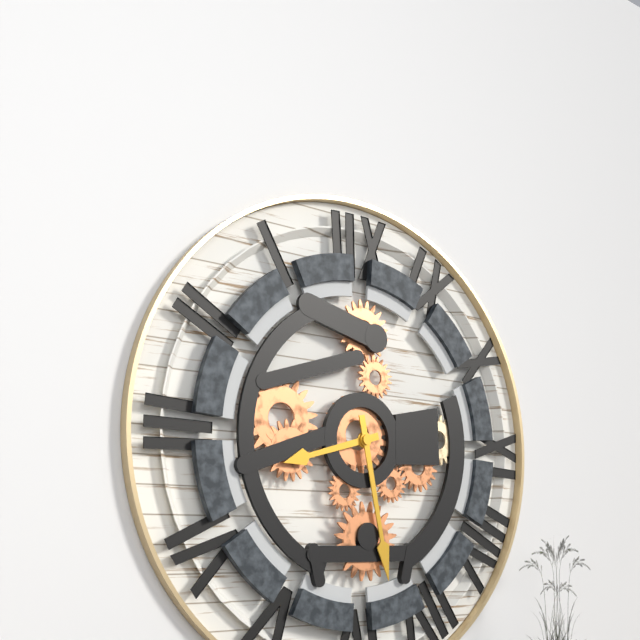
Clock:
{"hour": 8, "minute": 28}
